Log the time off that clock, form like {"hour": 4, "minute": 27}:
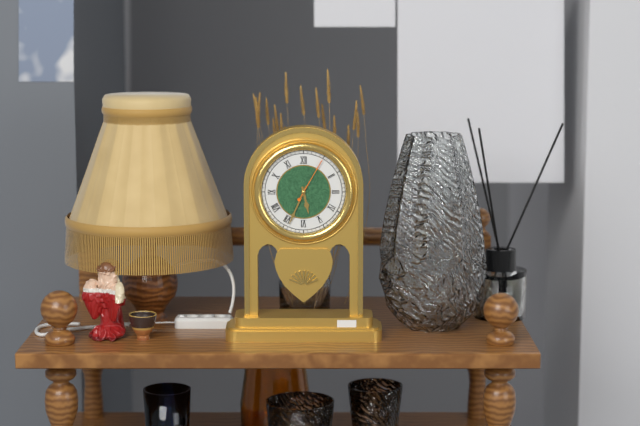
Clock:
{"hour": 5, "minute": 34}
